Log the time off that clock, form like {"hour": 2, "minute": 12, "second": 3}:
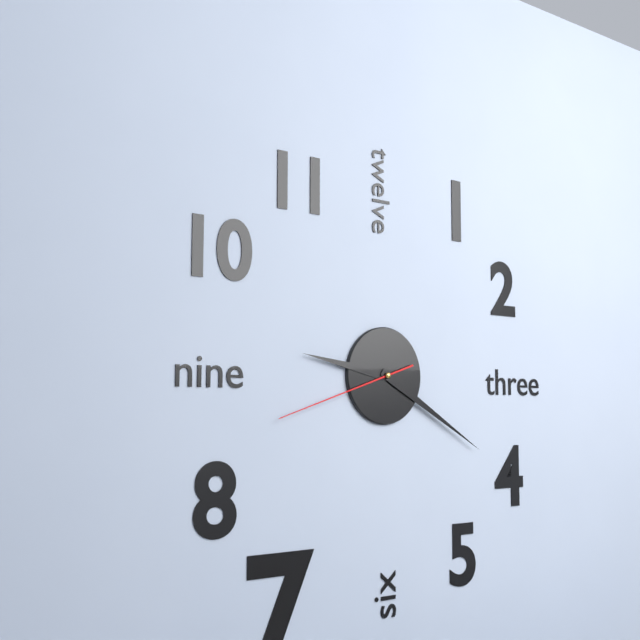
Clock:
{"hour": 9, "minute": 20, "second": 42}
